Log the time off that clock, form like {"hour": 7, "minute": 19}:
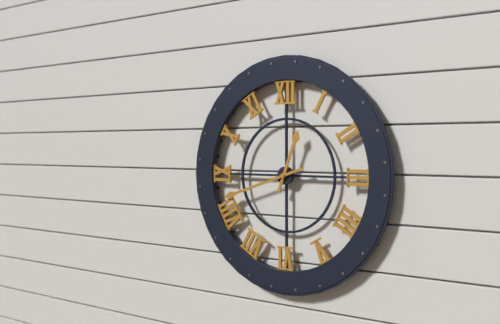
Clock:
{"hour": 12, "minute": 42}
